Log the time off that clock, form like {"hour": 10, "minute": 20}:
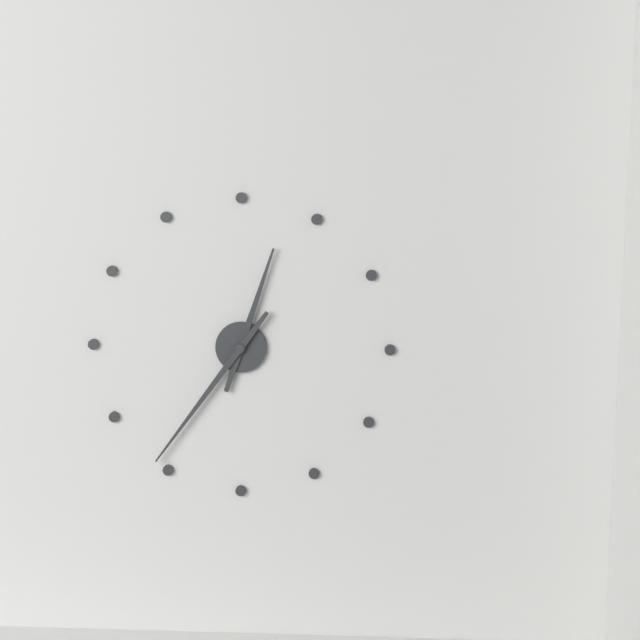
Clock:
{"hour": 12, "minute": 36}
